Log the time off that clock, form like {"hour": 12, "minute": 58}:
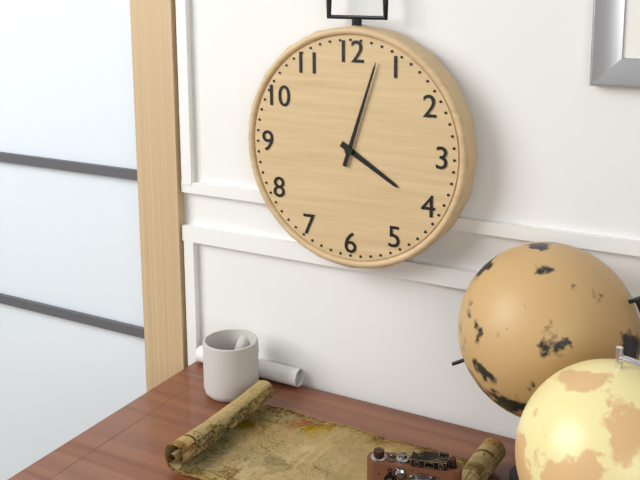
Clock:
{"hour": 4, "minute": 3}
